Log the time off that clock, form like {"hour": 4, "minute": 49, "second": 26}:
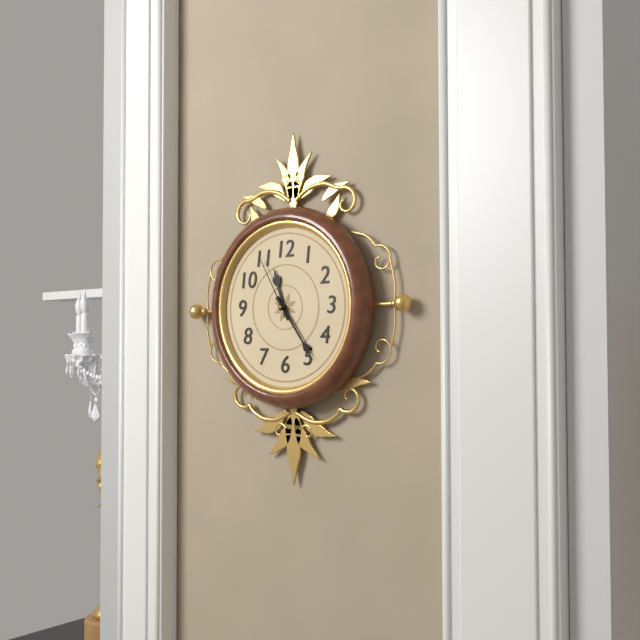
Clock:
{"hour": 11, "minute": 24, "second": 55}
